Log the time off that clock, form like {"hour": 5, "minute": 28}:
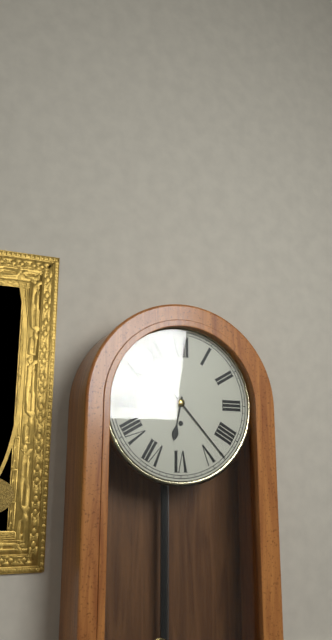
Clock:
{"hour": 6, "minute": 23}
